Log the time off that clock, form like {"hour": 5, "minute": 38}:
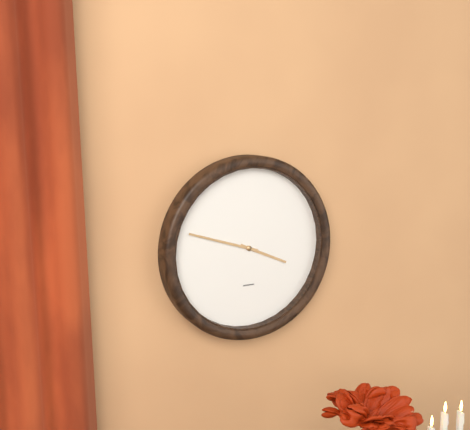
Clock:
{"hour": 3, "minute": 48}
